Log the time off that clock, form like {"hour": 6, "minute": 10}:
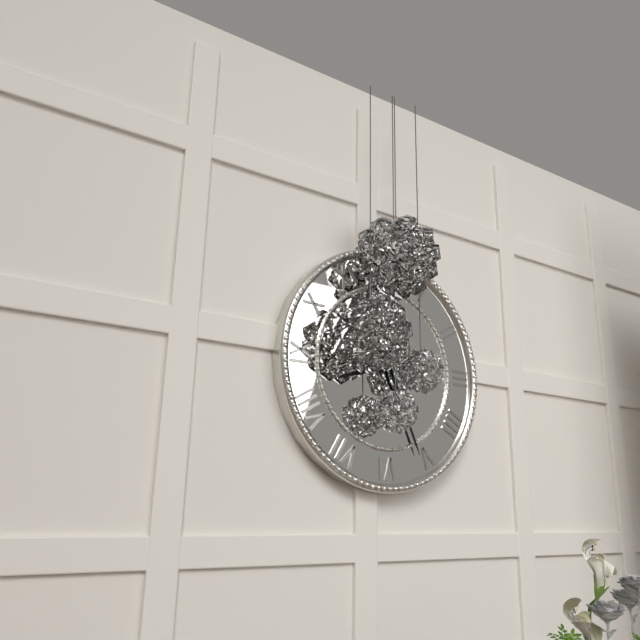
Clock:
{"hour": 8, "minute": 26}
